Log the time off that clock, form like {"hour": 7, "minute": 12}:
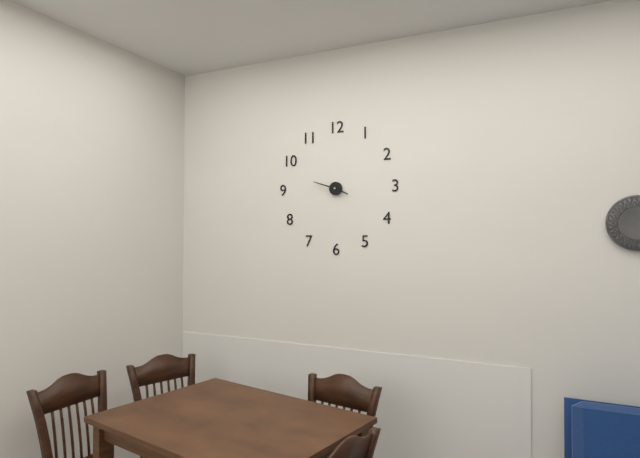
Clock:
{"hour": 3, "minute": 48}
